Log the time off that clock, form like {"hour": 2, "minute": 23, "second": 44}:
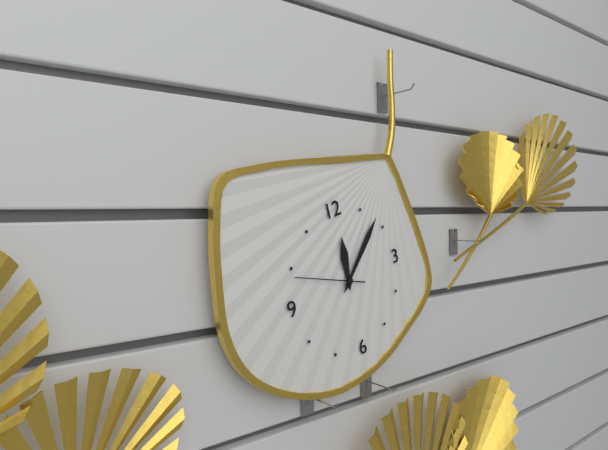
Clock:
{"hour": 12, "minute": 8, "second": 49}
